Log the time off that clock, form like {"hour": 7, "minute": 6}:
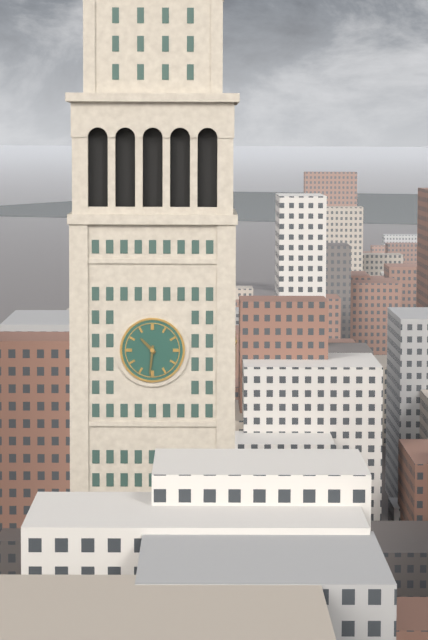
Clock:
{"hour": 10, "minute": 31}
